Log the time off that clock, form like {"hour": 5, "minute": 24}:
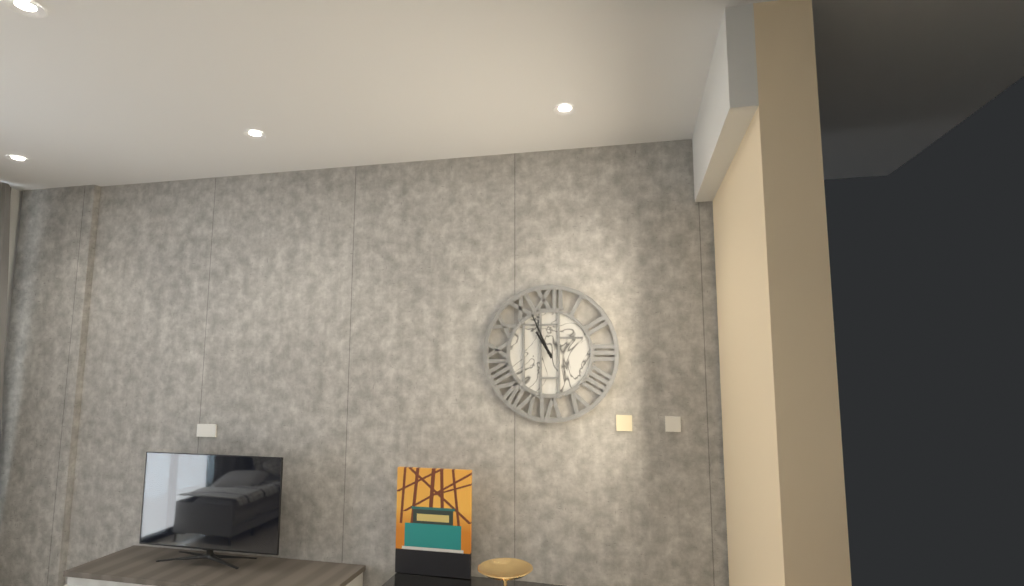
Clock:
{"hour": 10, "minute": 56}
